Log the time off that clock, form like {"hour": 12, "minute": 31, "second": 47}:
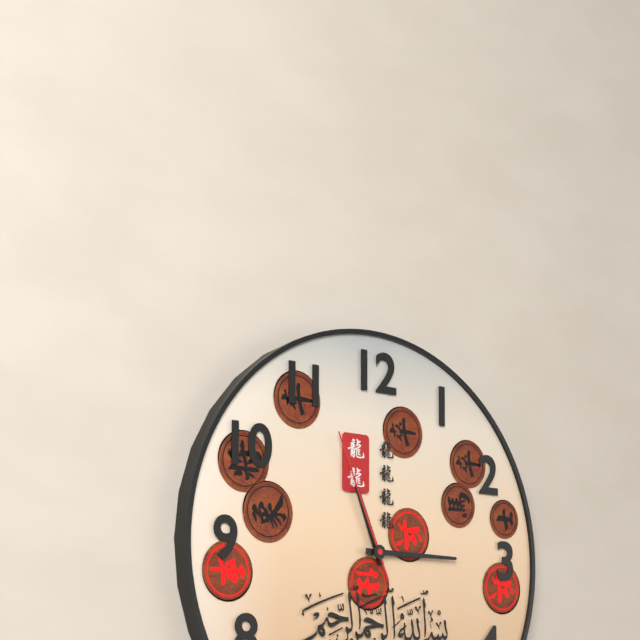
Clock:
{"hour": 11, "minute": 15, "second": 56}
